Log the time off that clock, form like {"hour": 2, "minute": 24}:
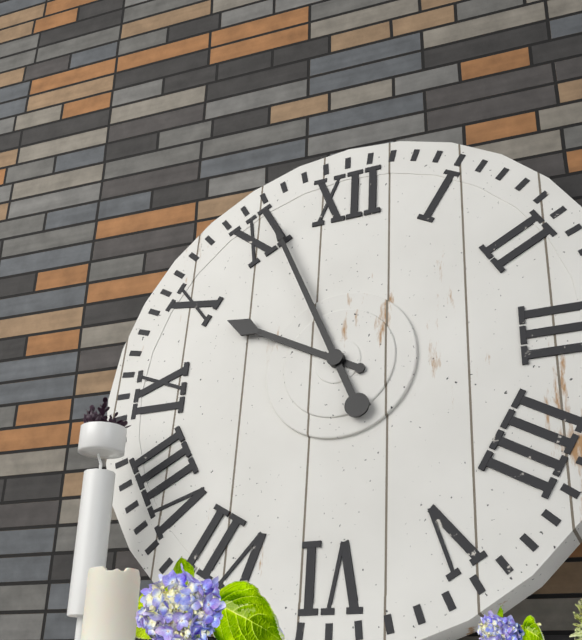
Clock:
{"hour": 9, "minute": 56}
